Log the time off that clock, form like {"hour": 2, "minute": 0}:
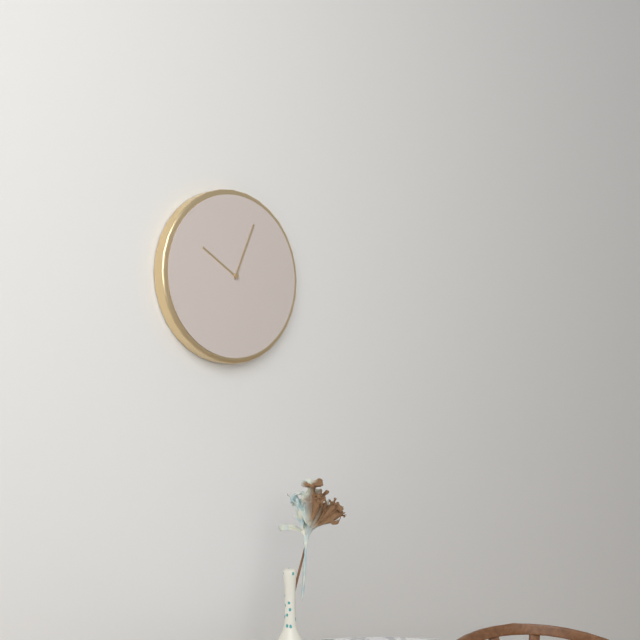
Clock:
{"hour": 10, "minute": 4}
